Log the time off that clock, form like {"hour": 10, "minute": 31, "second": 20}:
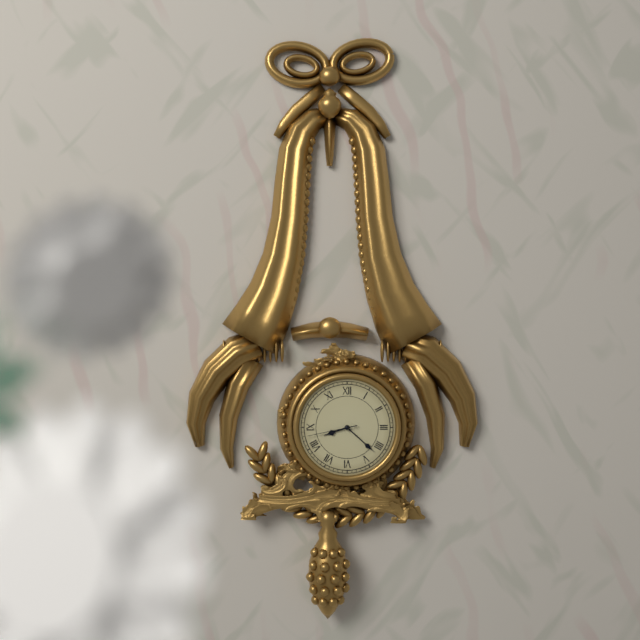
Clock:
{"hour": 8, "minute": 22, "second": 43}
